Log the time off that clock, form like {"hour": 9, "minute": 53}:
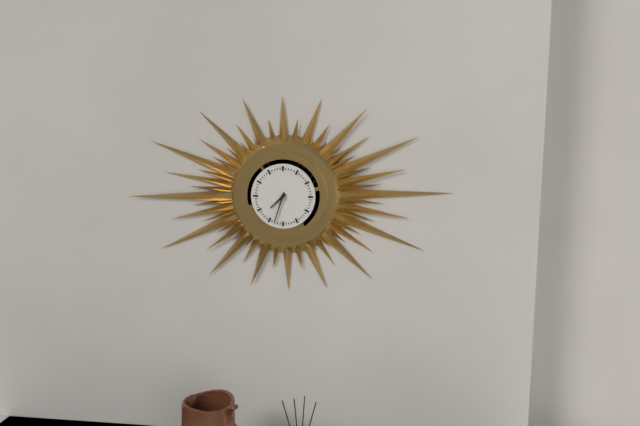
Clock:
{"hour": 7, "minute": 33}
